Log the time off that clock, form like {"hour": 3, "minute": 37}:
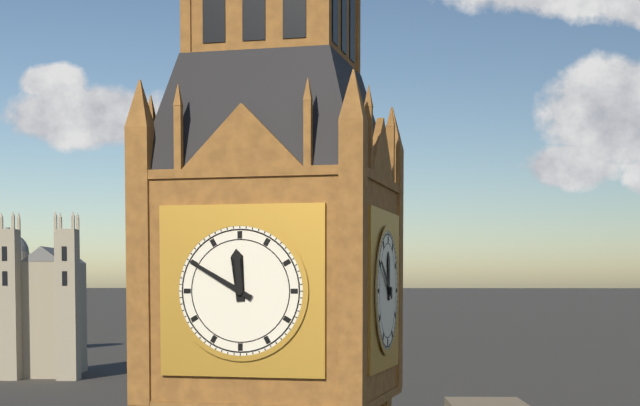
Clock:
{"hour": 11, "minute": 50}
